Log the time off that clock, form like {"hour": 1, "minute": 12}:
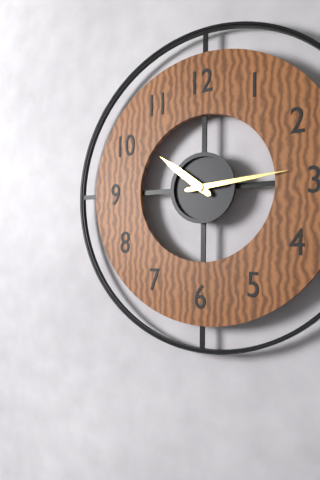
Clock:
{"hour": 10, "minute": 14}
